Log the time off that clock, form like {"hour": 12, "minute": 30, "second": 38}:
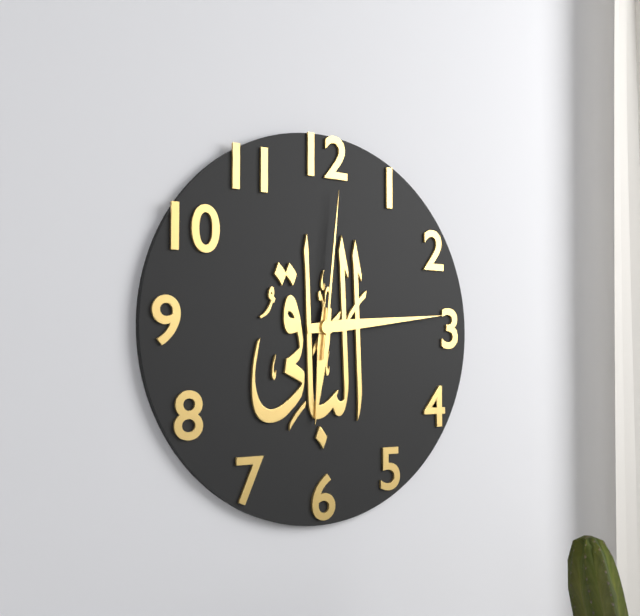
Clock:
{"hour": 6, "minute": 14, "second": 1}
